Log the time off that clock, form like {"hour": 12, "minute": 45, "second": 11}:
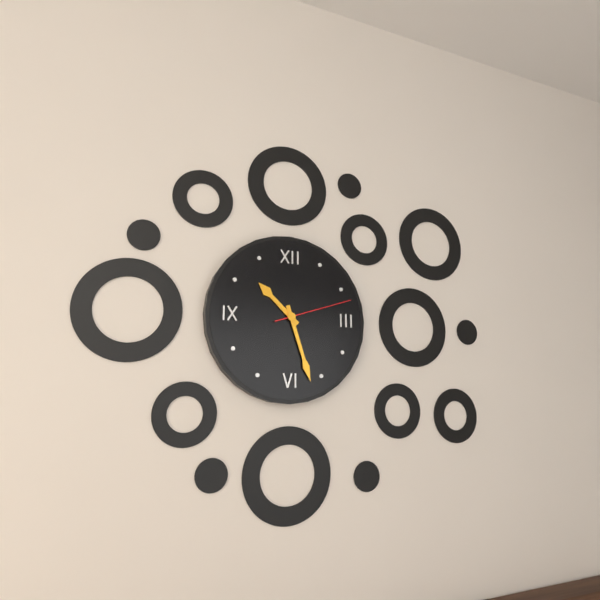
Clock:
{"hour": 10, "minute": 27, "second": 12}
